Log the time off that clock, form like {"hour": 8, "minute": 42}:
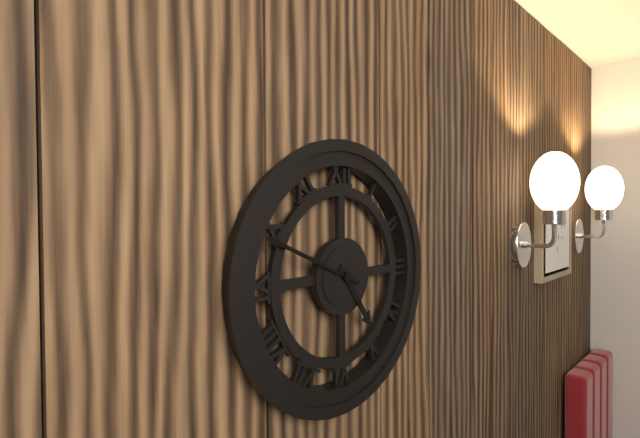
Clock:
{"hour": 4, "minute": 49}
